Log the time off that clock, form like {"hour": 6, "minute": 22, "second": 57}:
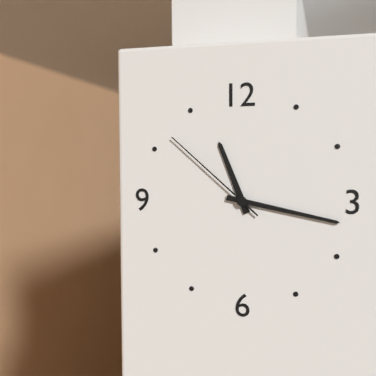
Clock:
{"hour": 11, "minute": 17, "second": 52}
